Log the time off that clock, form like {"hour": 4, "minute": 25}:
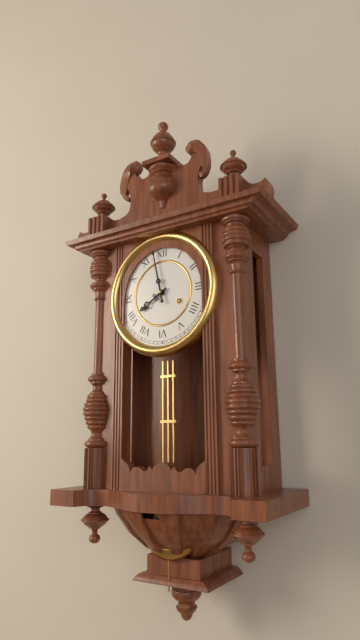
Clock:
{"hour": 7, "minute": 58}
